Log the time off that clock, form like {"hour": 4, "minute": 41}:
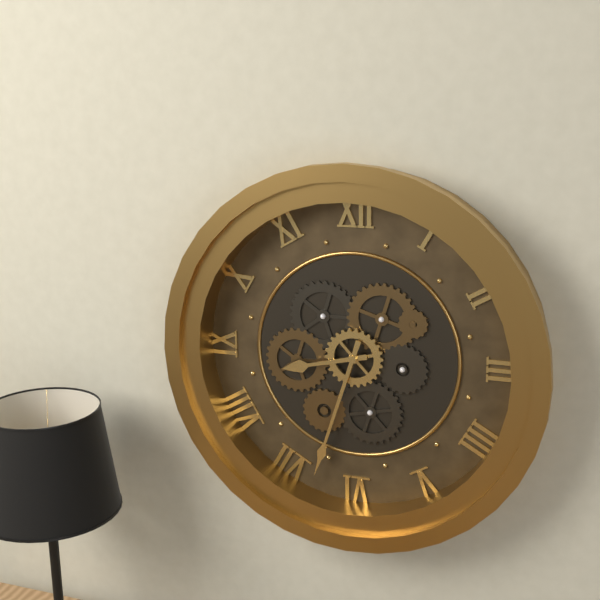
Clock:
{"hour": 8, "minute": 33}
